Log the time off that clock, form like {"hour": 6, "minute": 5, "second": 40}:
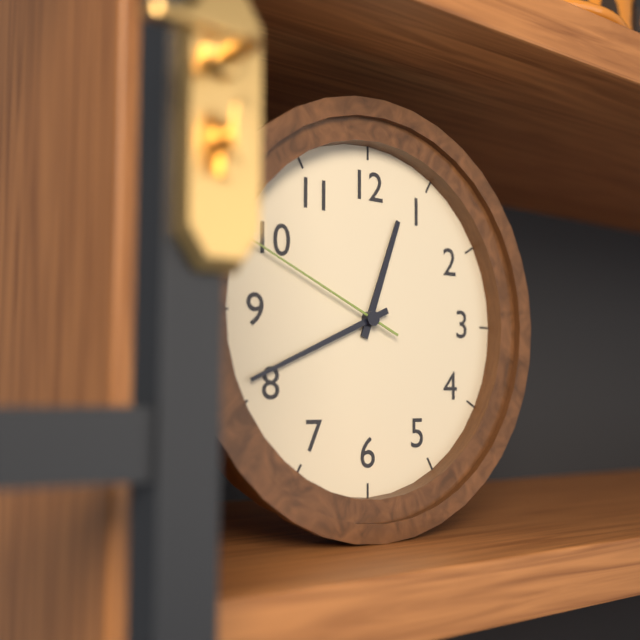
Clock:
{"hour": 12, "minute": 41, "second": 49}
